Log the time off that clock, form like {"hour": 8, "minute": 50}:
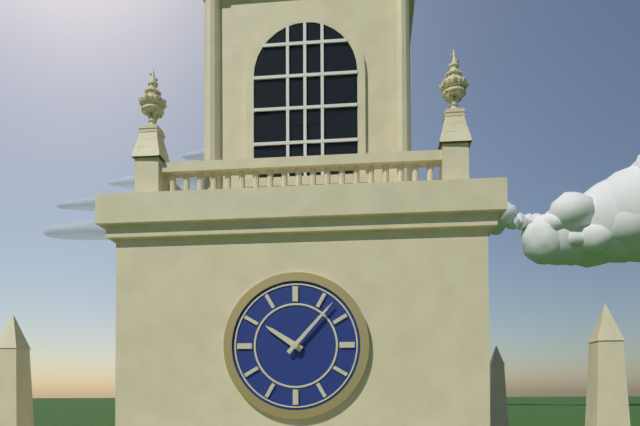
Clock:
{"hour": 10, "minute": 7}
